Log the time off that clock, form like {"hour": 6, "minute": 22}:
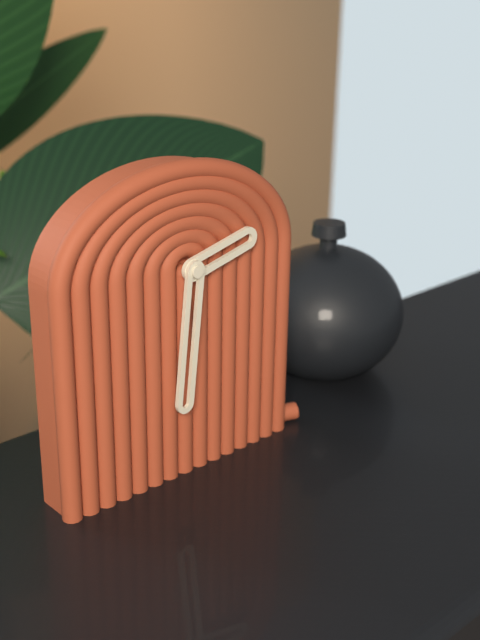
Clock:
{"hour": 2, "minute": 31}
